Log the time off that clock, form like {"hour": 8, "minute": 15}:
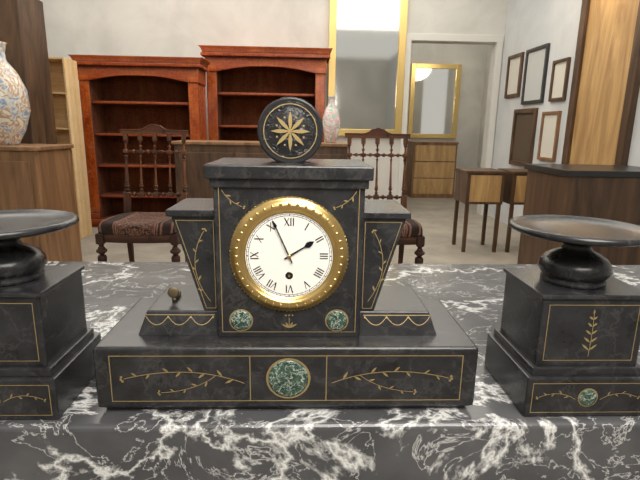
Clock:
{"hour": 1, "minute": 56}
